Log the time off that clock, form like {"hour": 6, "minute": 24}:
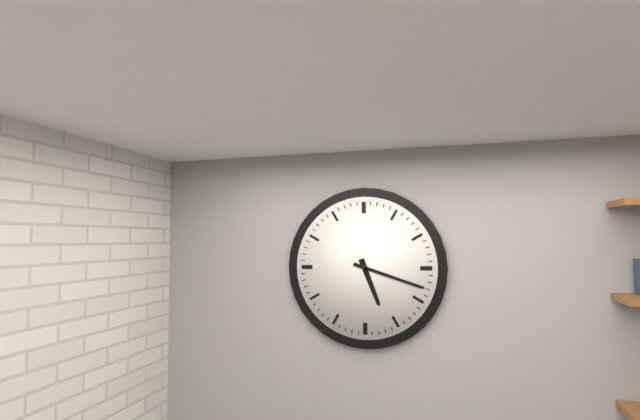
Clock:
{"hour": 5, "minute": 18}
